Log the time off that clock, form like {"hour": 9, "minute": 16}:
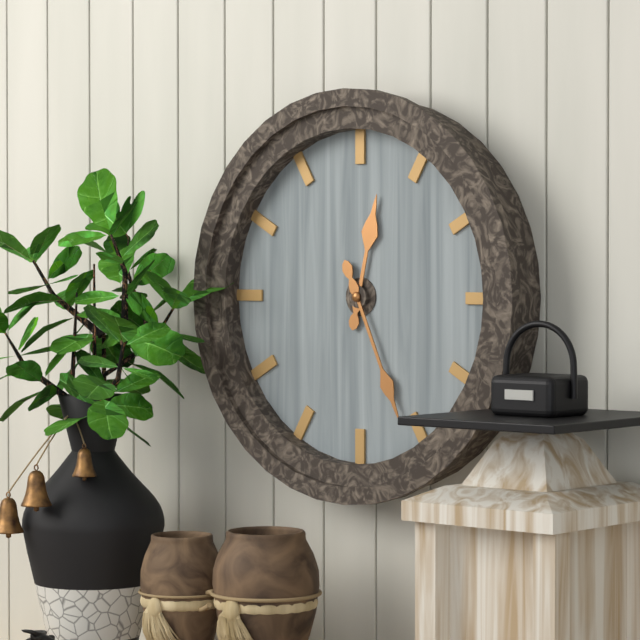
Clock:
{"hour": 12, "minute": 26}
